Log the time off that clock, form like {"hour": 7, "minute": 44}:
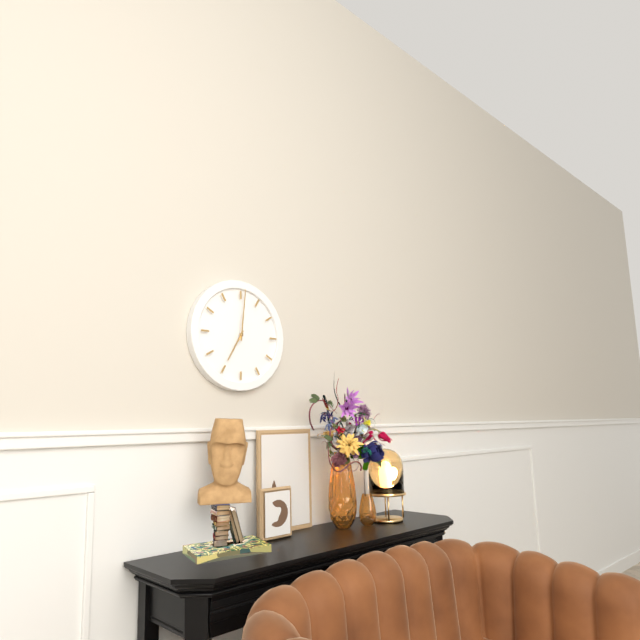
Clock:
{"hour": 7, "minute": 1}
